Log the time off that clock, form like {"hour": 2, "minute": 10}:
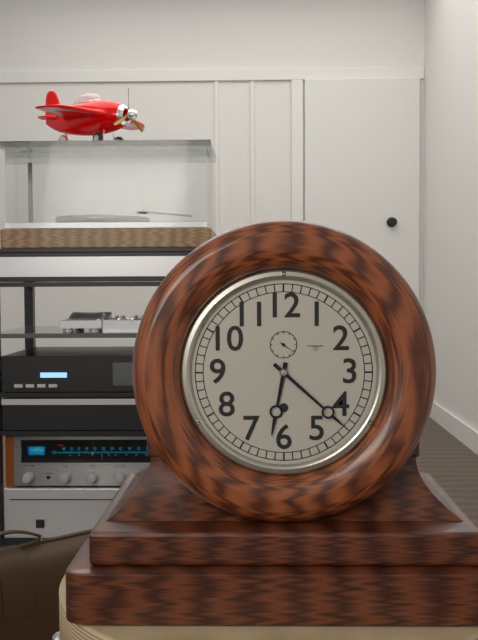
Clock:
{"hour": 6, "minute": 22}
